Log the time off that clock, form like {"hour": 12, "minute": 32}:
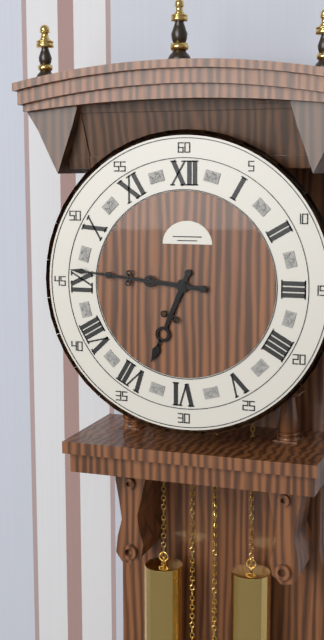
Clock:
{"hour": 6, "minute": 46}
